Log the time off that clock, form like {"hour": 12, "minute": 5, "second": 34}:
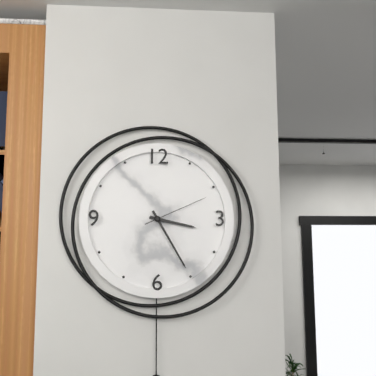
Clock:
{"hour": 3, "minute": 25, "second": 11}
